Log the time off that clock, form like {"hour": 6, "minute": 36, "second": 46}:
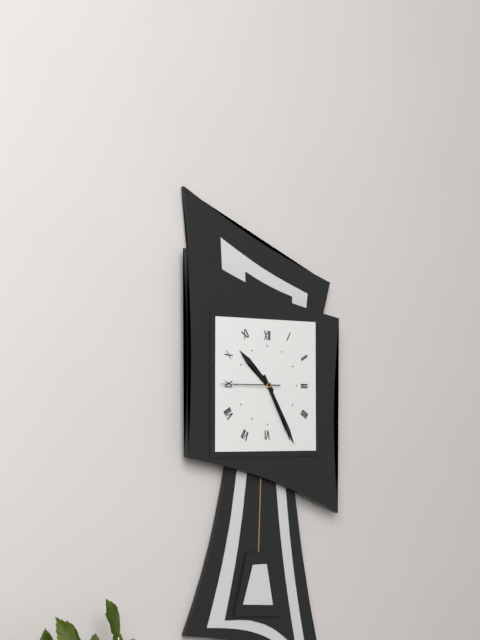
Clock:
{"hour": 10, "minute": 25, "second": 45}
